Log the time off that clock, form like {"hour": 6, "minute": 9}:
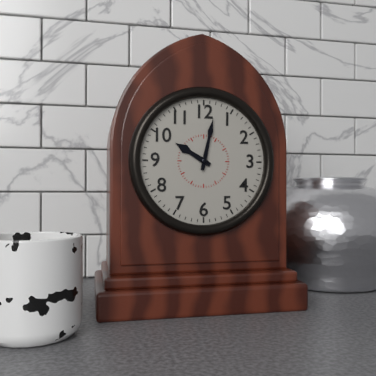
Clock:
{"hour": 10, "minute": 2}
